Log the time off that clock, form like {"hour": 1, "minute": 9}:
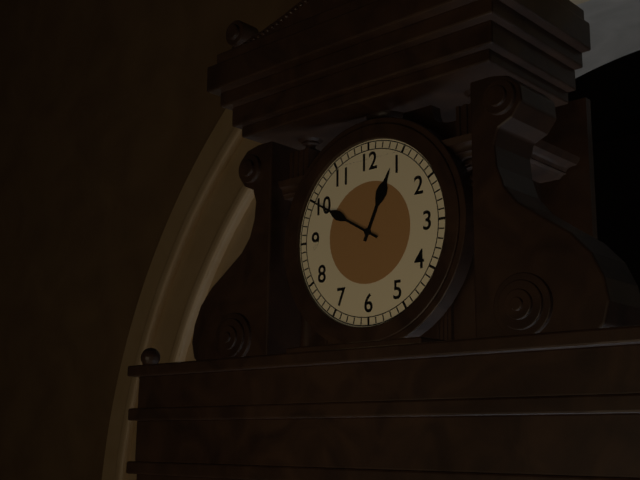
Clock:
{"hour": 12, "minute": 50}
